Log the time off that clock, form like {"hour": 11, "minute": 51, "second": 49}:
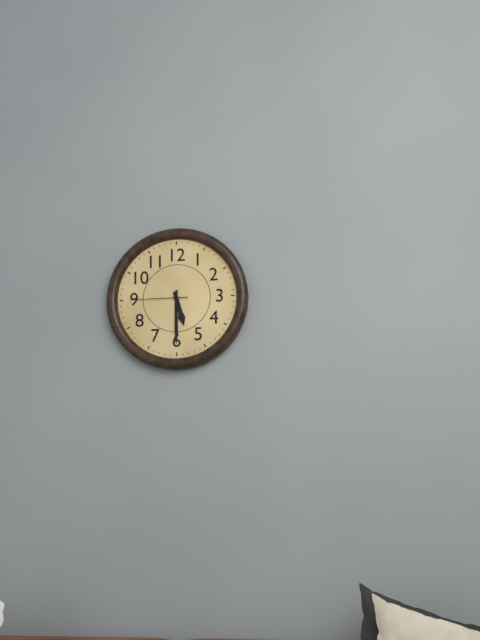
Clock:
{"hour": 5, "minute": 30, "second": 45}
